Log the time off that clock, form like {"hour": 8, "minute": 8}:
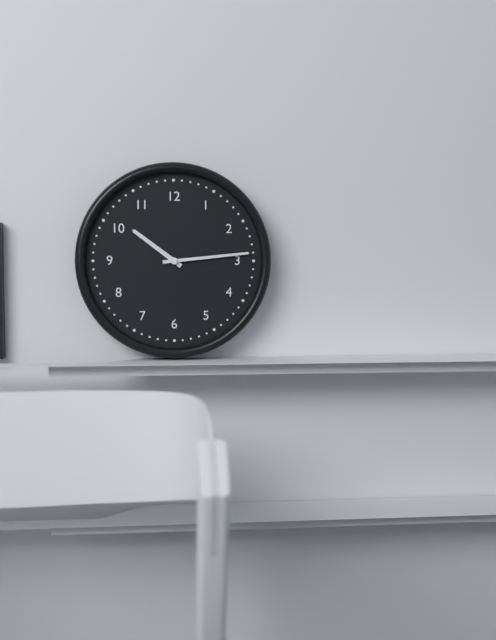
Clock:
{"hour": 10, "minute": 14}
